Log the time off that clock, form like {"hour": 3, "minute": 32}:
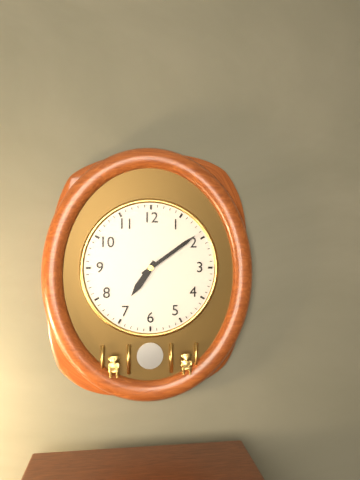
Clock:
{"hour": 7, "minute": 9}
